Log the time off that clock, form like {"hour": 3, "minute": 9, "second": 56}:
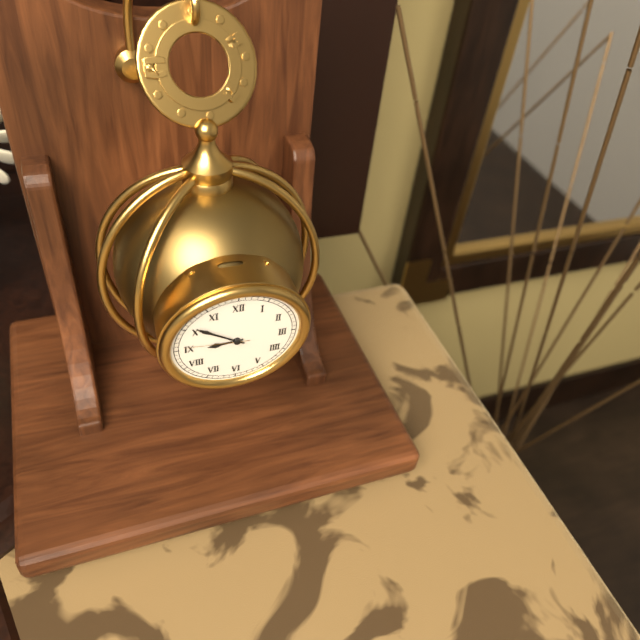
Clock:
{"hour": 8, "minute": 51, "second": 46}
